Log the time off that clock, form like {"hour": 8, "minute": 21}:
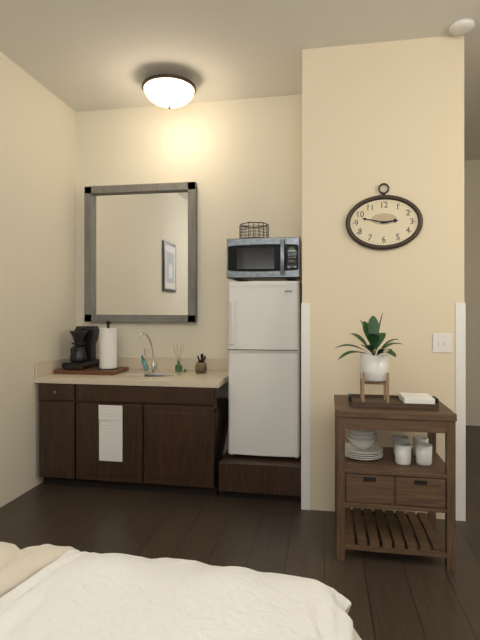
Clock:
{"hour": 2, "minute": 47}
